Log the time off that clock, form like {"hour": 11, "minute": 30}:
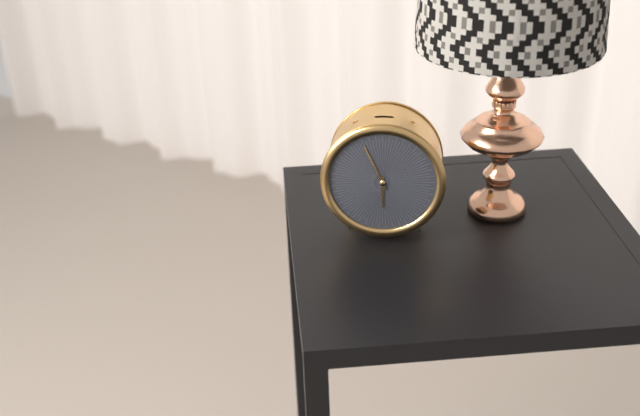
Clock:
{"hour": 5, "minute": 56}
